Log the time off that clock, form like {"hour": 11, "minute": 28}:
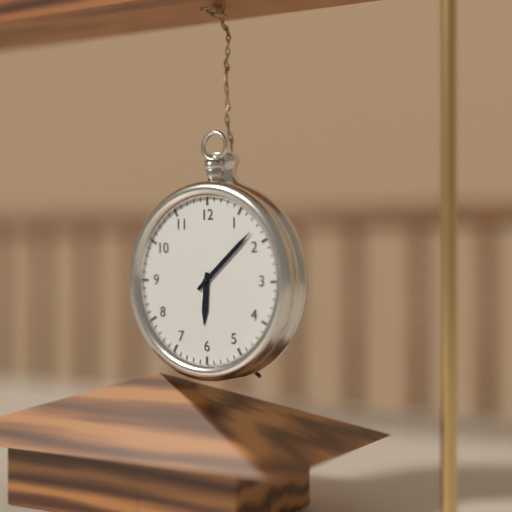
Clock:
{"hour": 6, "minute": 8}
